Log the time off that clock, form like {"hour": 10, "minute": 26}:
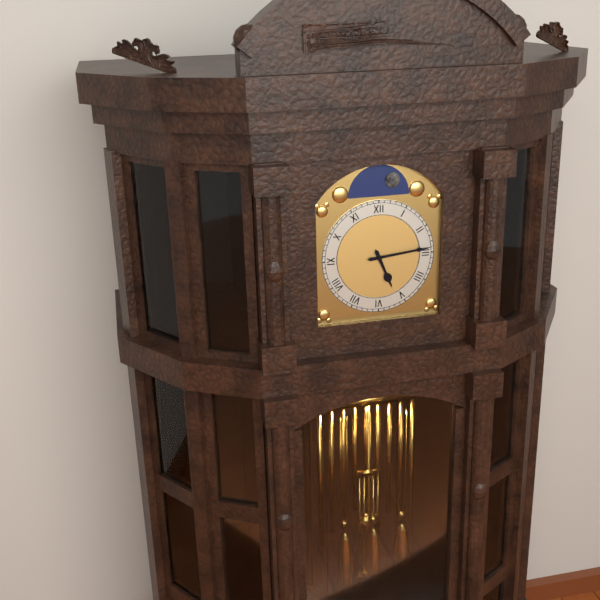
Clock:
{"hour": 5, "minute": 14}
